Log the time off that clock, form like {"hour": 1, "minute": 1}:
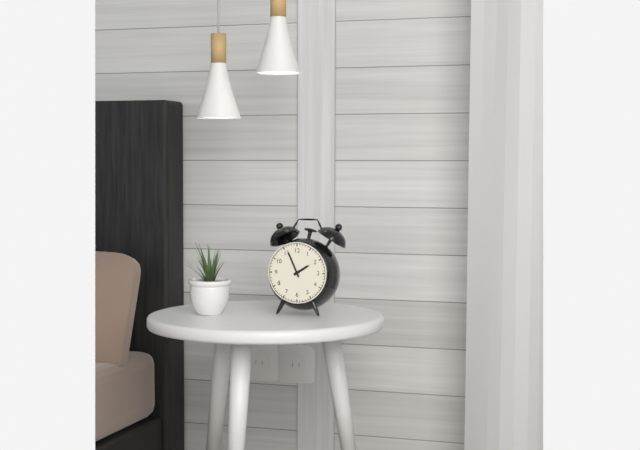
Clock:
{"hour": 1, "minute": 56}
